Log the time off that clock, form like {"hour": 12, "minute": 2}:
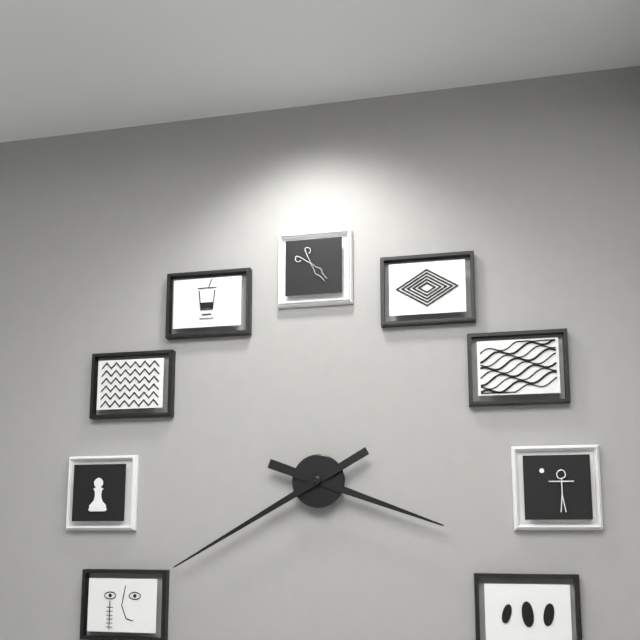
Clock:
{"hour": 3, "minute": 40}
